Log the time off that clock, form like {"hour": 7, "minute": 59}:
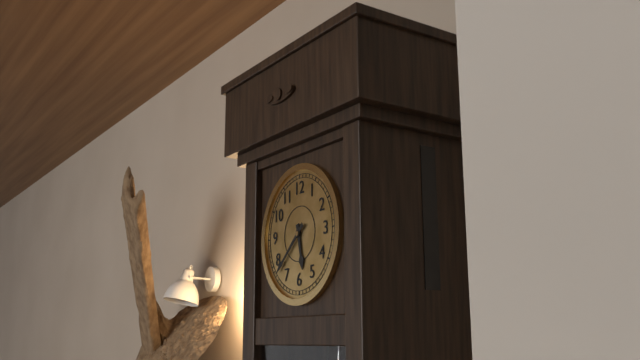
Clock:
{"hour": 5, "minute": 38}
